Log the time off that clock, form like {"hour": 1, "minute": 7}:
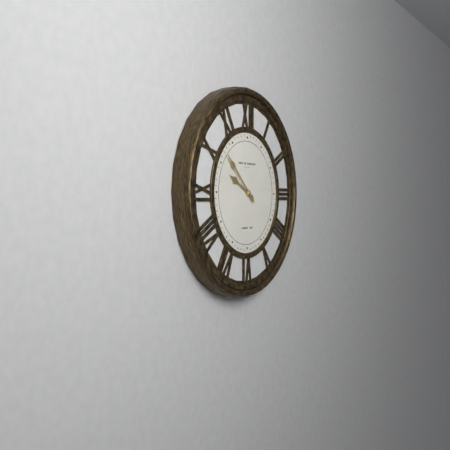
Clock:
{"hour": 9, "minute": 52}
